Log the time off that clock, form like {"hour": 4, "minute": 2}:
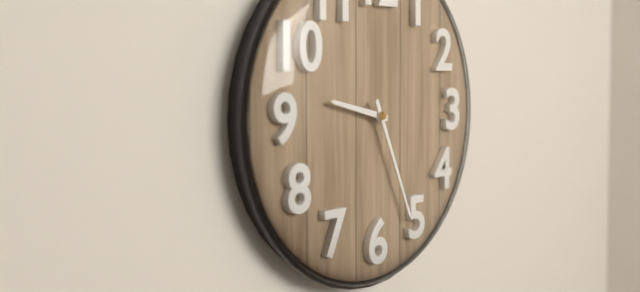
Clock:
{"hour": 9, "minute": 26}
